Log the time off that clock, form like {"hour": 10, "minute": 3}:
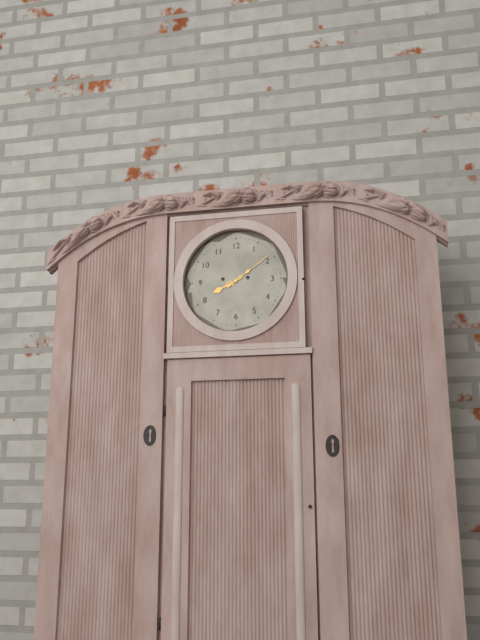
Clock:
{"hour": 8, "minute": 9}
